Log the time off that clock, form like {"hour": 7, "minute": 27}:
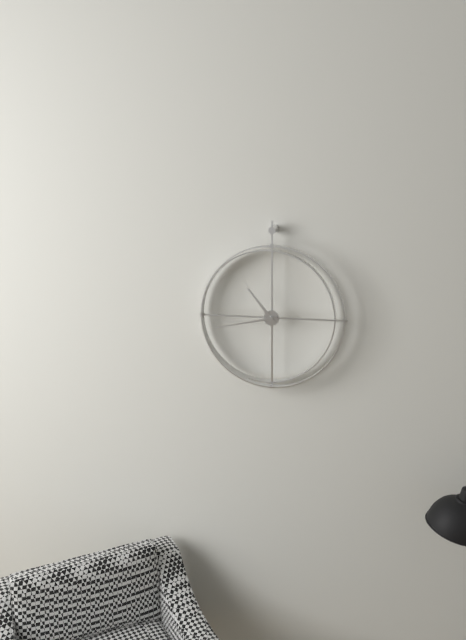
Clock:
{"hour": 10, "minute": 43}
